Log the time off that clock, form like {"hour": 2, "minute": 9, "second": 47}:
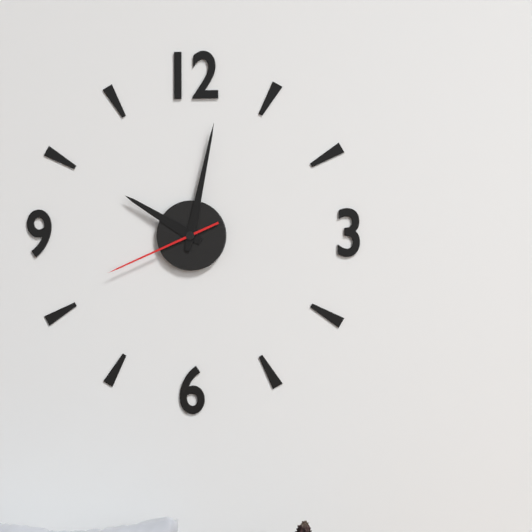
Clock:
{"hour": 10, "minute": 2, "second": 41}
